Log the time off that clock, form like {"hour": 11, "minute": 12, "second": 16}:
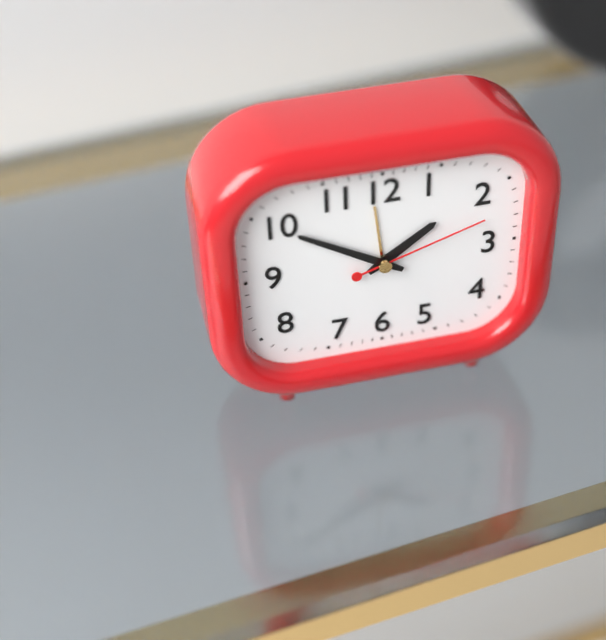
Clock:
{"hour": 1, "minute": 50, "second": 12}
